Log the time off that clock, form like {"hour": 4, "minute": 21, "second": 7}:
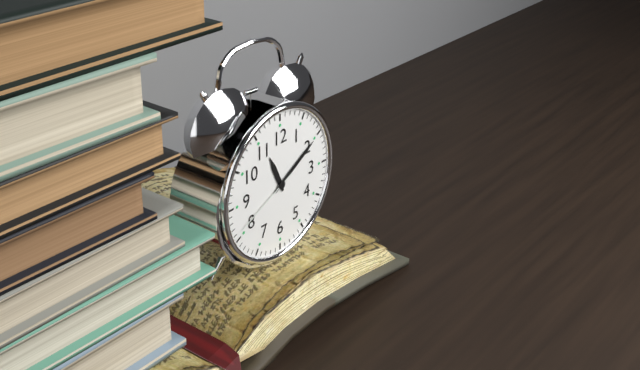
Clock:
{"hour": 11, "minute": 10, "second": 41}
